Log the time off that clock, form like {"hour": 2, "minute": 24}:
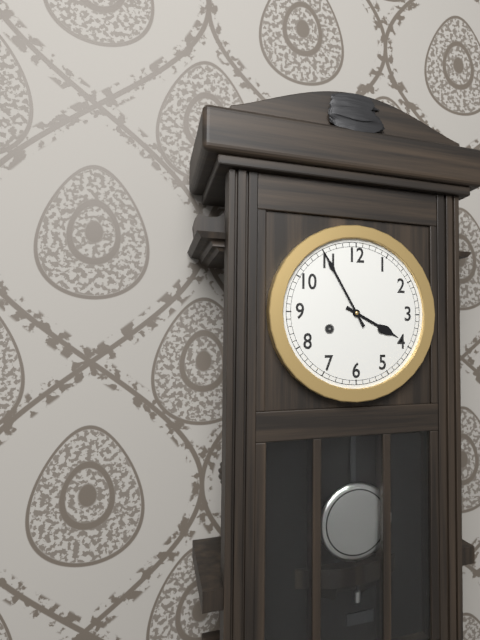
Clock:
{"hour": 3, "minute": 55}
